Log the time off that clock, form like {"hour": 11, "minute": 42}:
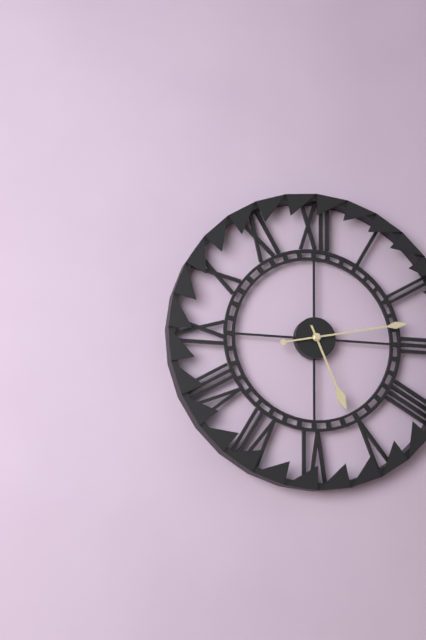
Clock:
{"hour": 5, "minute": 13}
